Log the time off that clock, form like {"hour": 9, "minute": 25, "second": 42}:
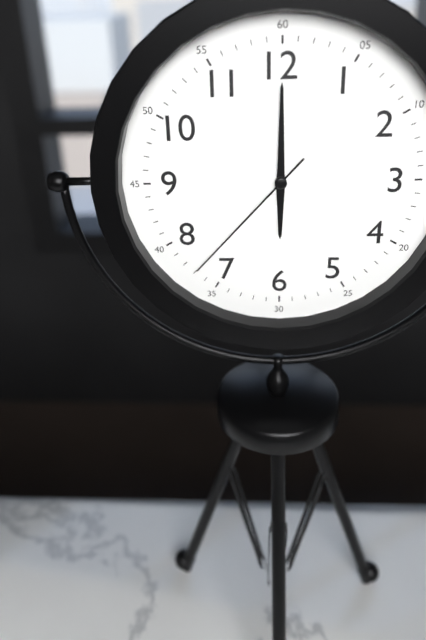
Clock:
{"hour": 6, "minute": 0, "second": 37}
